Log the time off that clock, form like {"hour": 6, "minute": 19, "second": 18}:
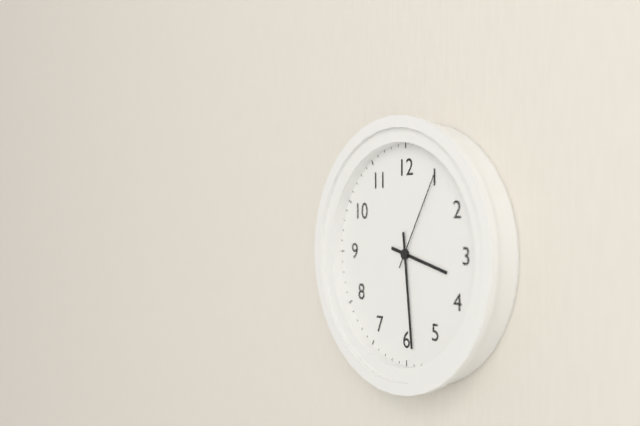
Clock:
{"hour": 3, "minute": 29, "second": 5}
